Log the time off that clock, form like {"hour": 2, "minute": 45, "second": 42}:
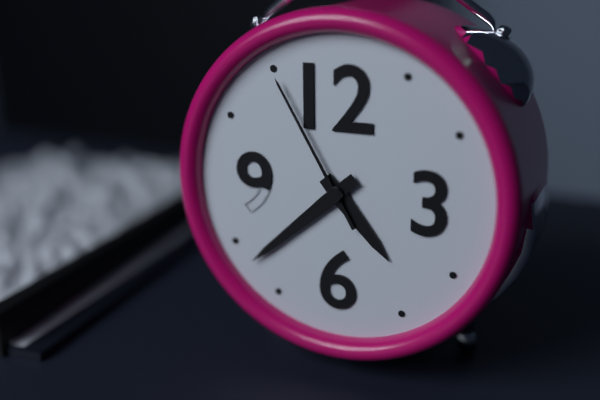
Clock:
{"hour": 4, "minute": 38, "second": 55}
